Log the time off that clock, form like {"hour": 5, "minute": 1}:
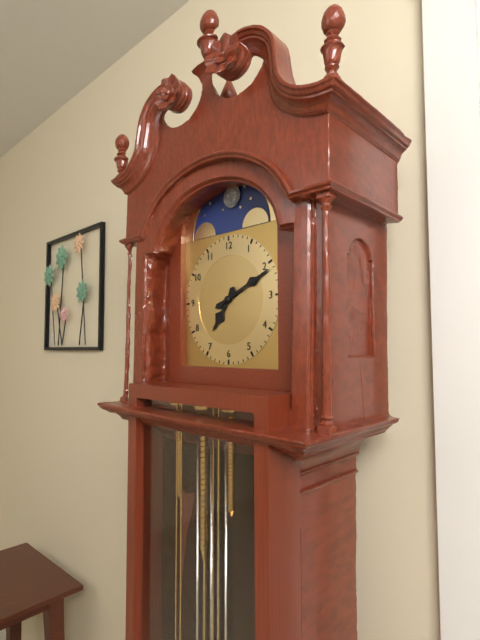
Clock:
{"hour": 7, "minute": 11}
